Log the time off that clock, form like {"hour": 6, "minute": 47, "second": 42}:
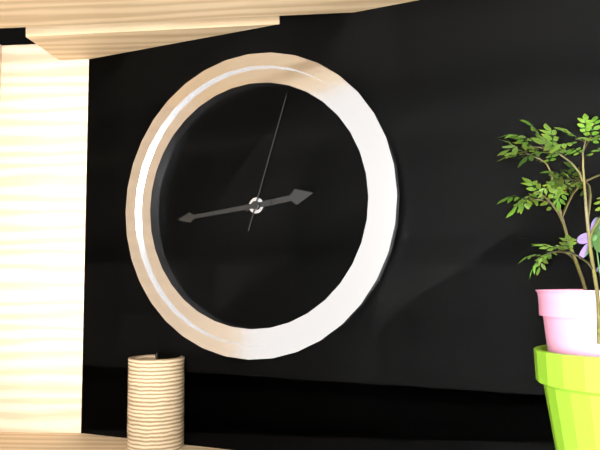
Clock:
{"hour": 2, "minute": 44, "second": 3}
